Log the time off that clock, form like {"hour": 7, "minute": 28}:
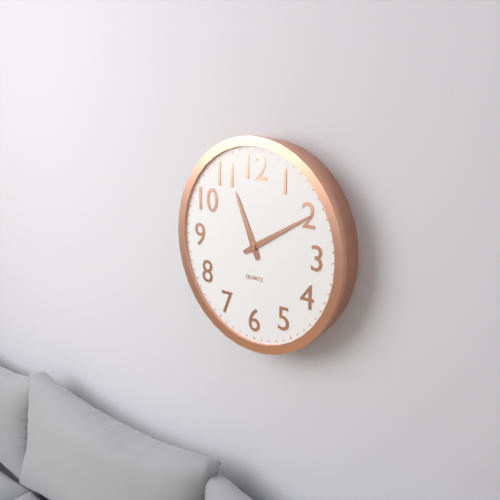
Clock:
{"hour": 11, "minute": 10}
